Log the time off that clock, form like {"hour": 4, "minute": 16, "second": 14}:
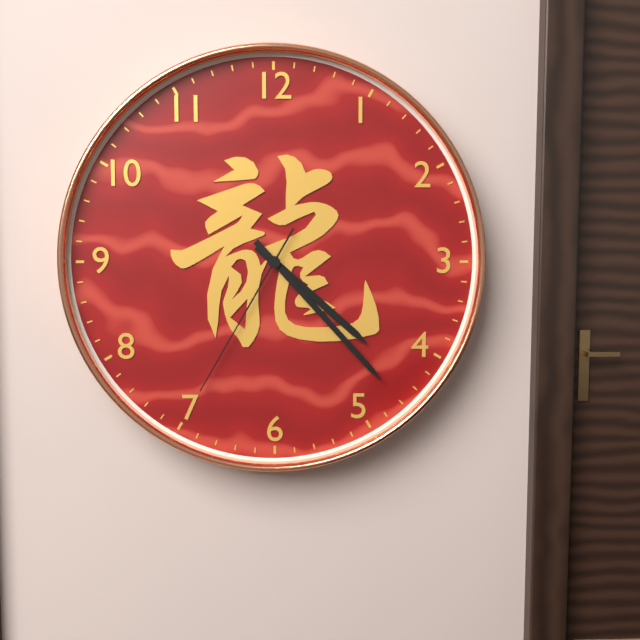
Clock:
{"hour": 4, "minute": 23, "second": 35}
